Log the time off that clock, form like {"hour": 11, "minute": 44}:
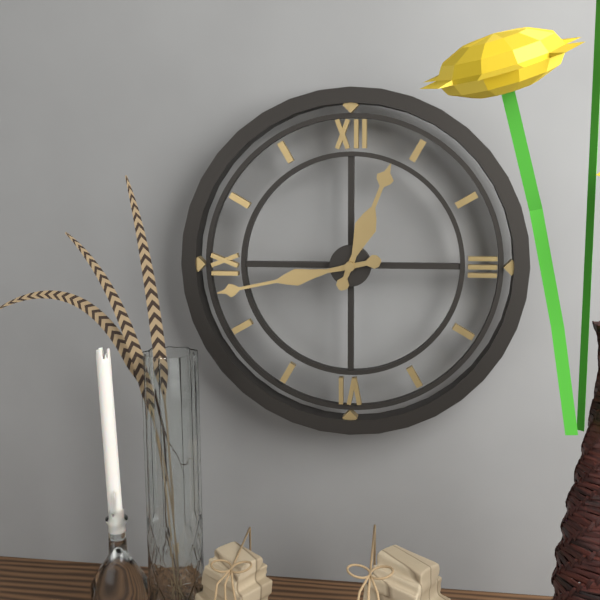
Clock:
{"hour": 12, "minute": 43}
